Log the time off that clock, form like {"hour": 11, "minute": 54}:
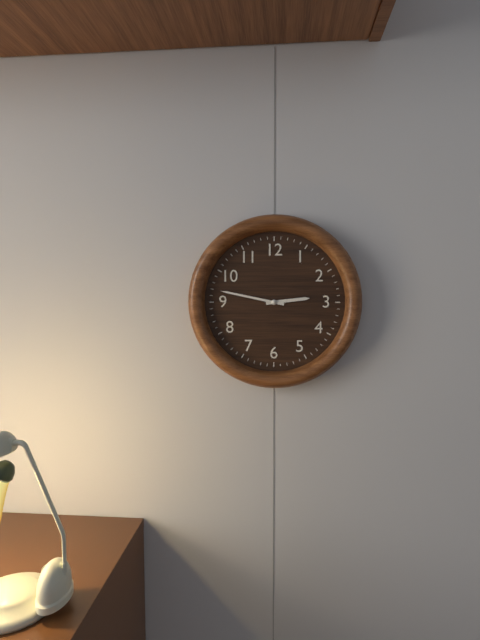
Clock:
{"hour": 2, "minute": 47}
